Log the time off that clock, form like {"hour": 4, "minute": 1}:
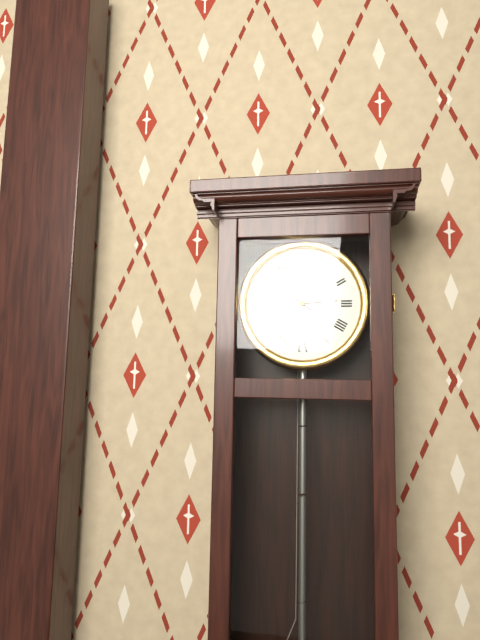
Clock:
{"hour": 2, "minute": 51}
